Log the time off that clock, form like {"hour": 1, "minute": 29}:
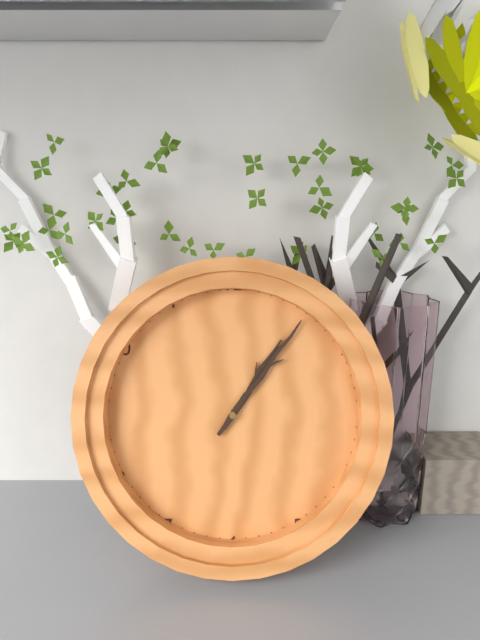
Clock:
{"hour": 1, "minute": 6}
